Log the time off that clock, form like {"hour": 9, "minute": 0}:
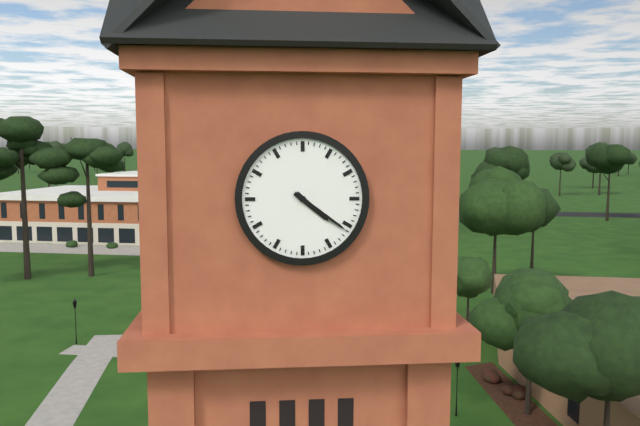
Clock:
{"hour": 4, "minute": 21}
